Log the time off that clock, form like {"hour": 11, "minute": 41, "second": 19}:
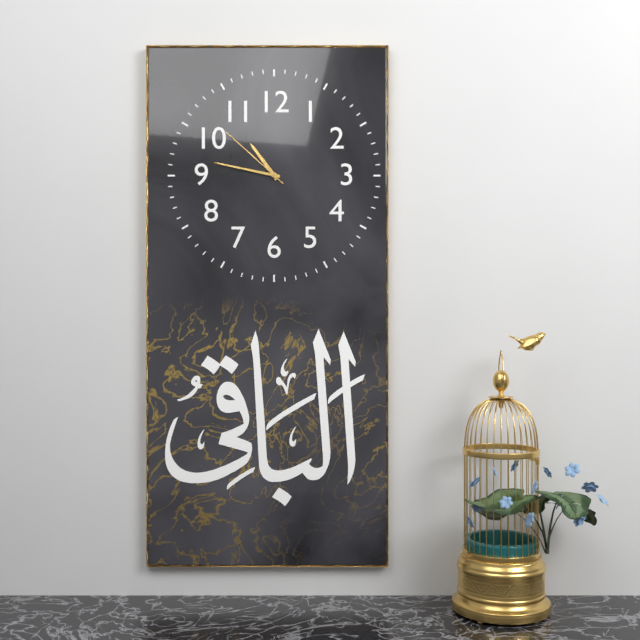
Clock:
{"hour": 10, "minute": 47, "second": 52}
